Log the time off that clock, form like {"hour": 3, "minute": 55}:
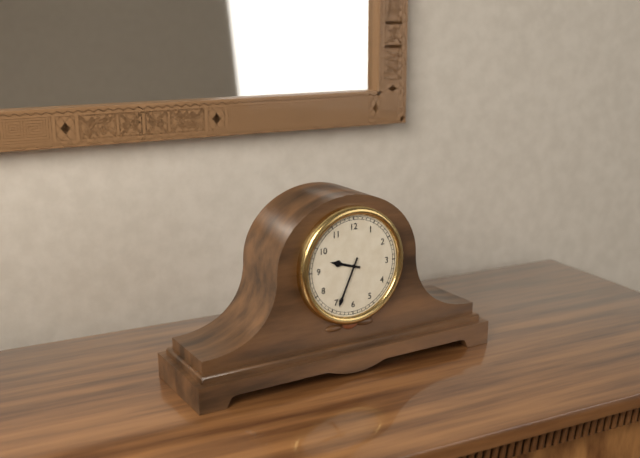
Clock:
{"hour": 9, "minute": 34}
